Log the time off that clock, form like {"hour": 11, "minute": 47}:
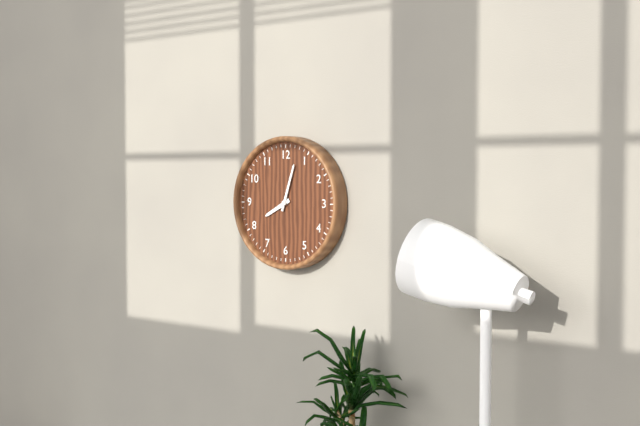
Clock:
{"hour": 8, "minute": 3}
